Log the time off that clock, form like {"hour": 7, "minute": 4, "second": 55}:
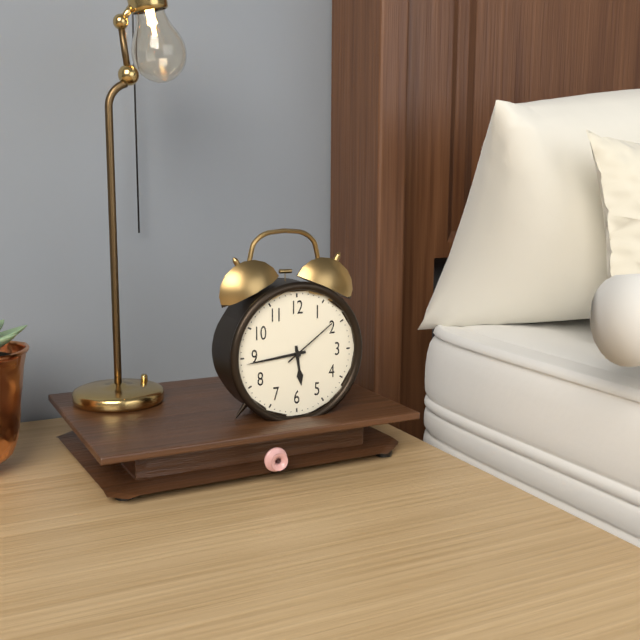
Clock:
{"hour": 5, "minute": 44, "second": 9}
